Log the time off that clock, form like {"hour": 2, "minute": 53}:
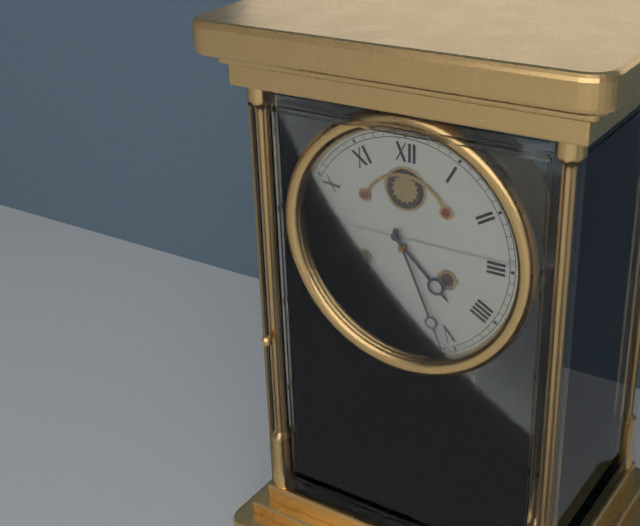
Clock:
{"hour": 4, "minute": 26}
